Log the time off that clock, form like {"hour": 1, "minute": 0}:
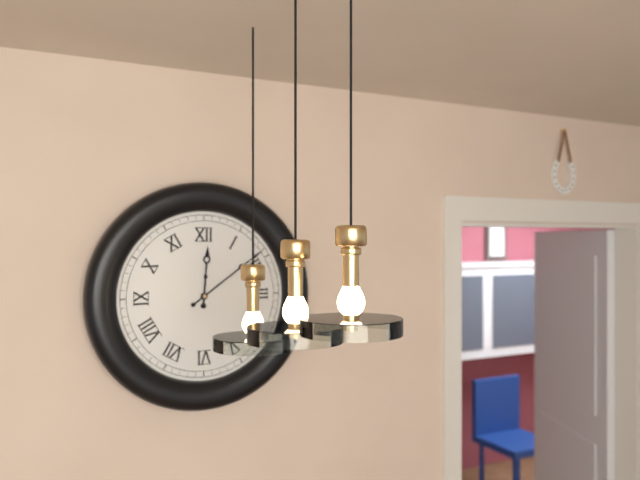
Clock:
{"hour": 12, "minute": 9}
